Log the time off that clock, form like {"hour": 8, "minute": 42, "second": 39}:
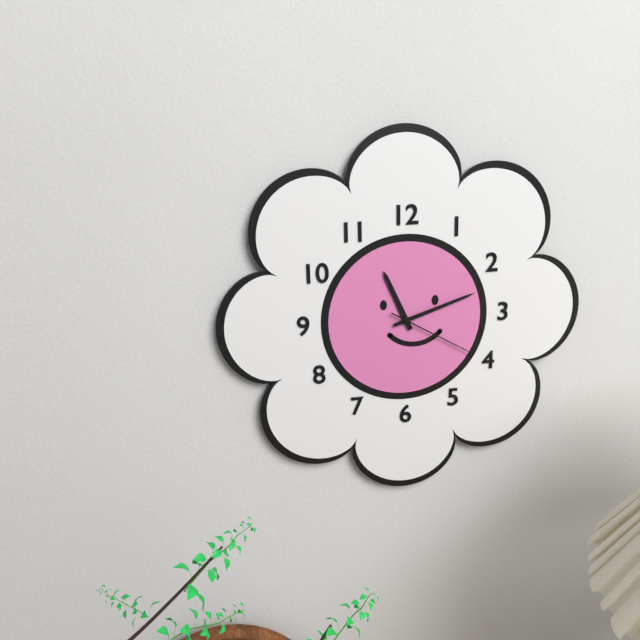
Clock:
{"hour": 11, "minute": 12, "second": 20}
